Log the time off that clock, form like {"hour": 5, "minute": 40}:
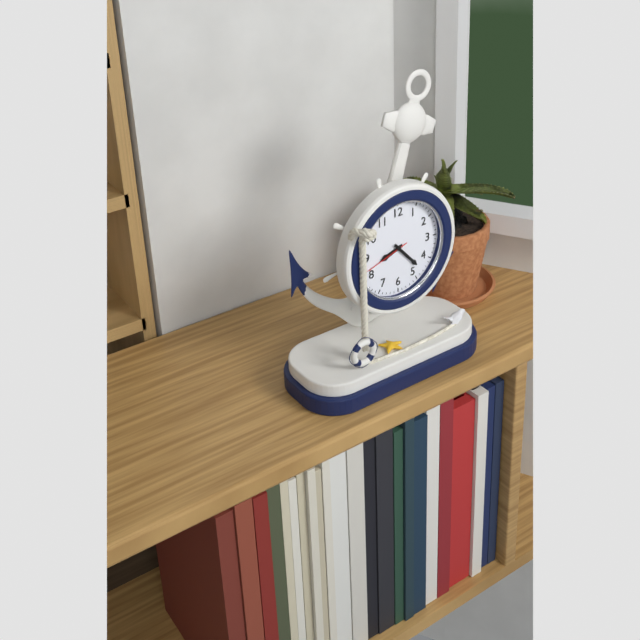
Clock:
{"hour": 8, "minute": 23}
